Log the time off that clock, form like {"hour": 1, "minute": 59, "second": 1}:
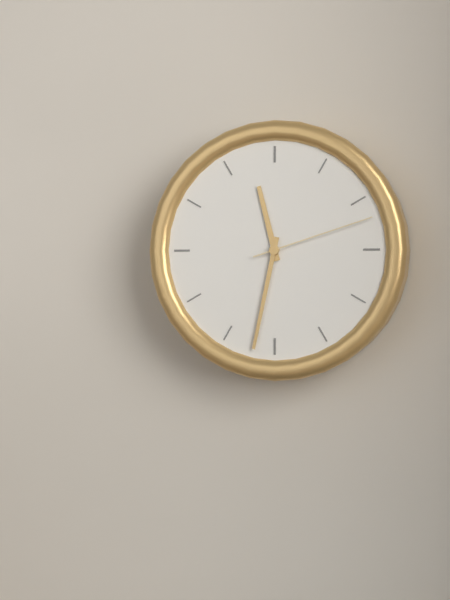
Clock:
{"hour": 11, "minute": 32, "second": 12}
